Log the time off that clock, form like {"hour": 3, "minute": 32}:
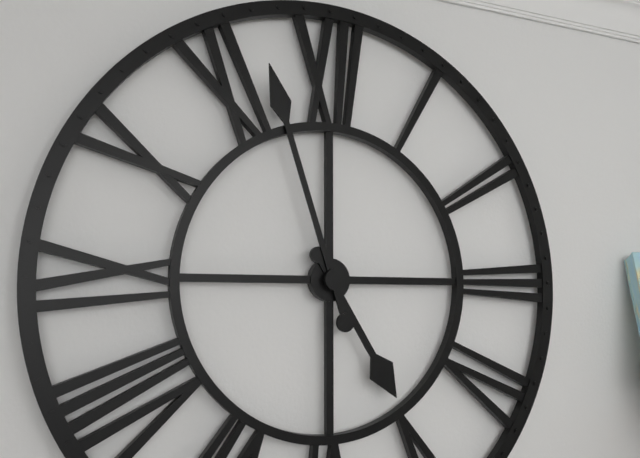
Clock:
{"hour": 4, "minute": 57}
